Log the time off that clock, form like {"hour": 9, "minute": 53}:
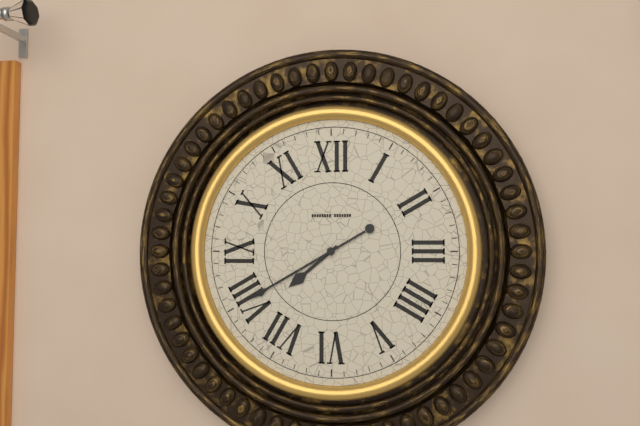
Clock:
{"hour": 7, "minute": 40}
